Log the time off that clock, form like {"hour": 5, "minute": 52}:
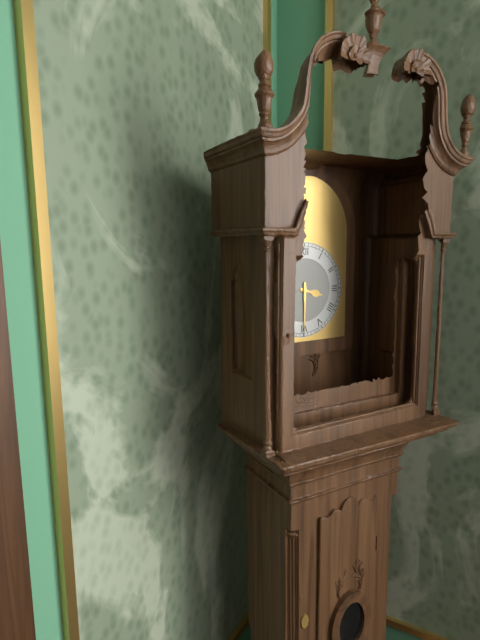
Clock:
{"hour": 3, "minute": 30}
